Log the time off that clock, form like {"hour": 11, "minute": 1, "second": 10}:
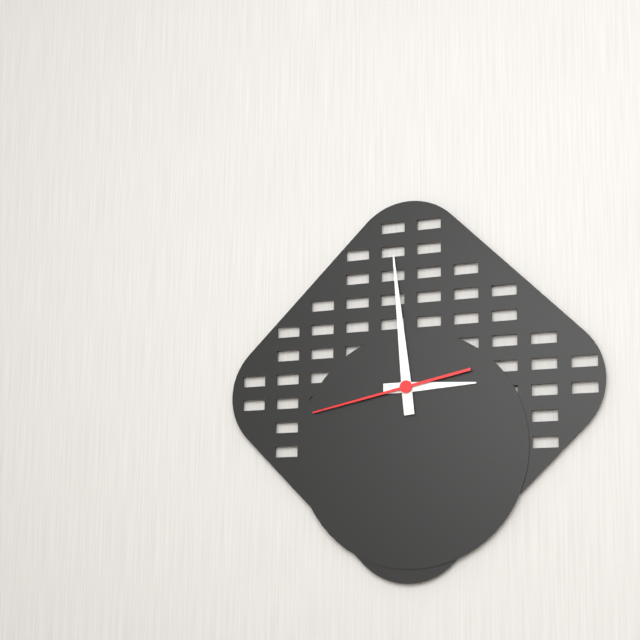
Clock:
{"hour": 2, "minute": 59, "second": 43}
